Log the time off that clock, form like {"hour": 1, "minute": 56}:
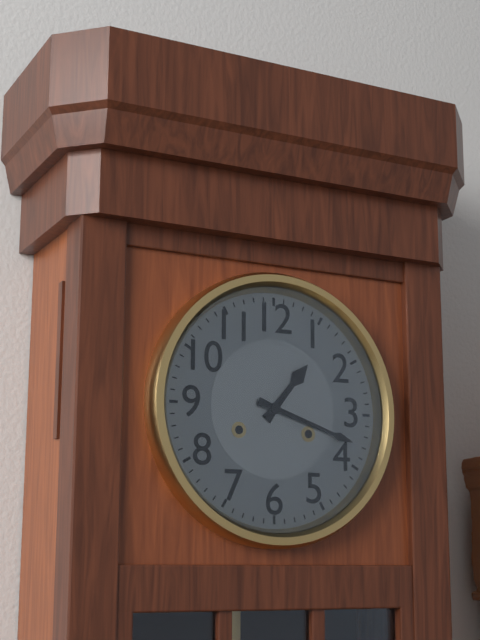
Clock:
{"hour": 1, "minute": 18}
